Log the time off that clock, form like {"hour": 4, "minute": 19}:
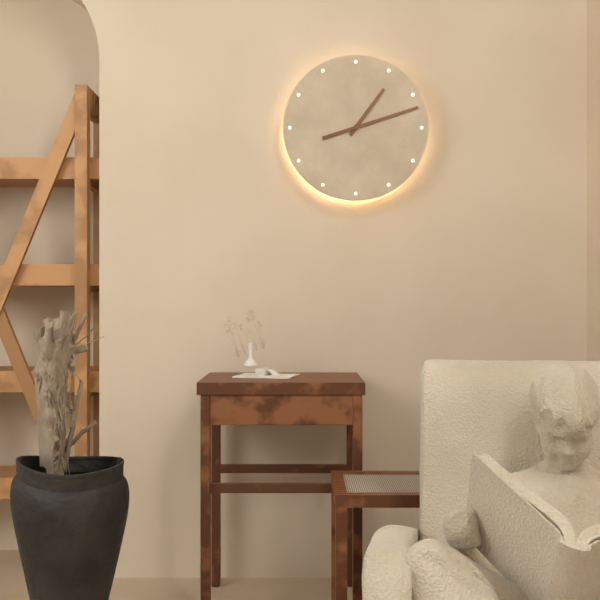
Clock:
{"hour": 1, "minute": 12}
